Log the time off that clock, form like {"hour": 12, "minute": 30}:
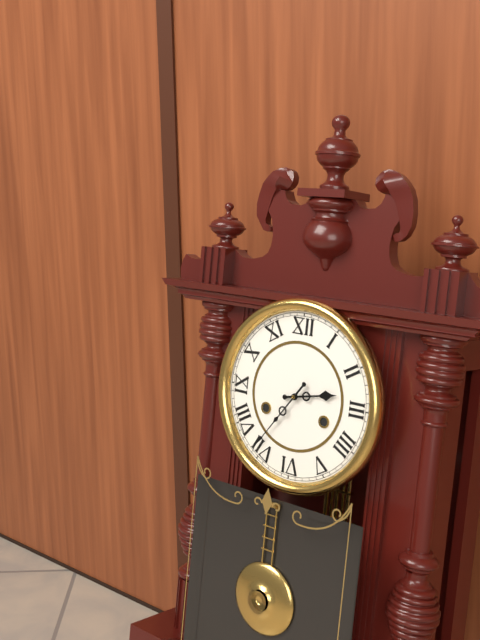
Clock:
{"hour": 2, "minute": 36}
